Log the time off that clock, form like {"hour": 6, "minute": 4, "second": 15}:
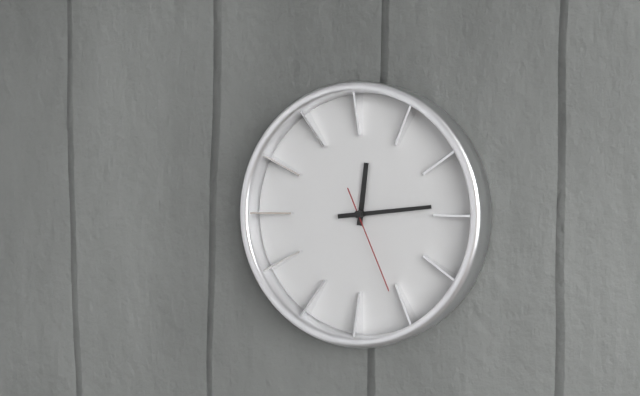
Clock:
{"hour": 12, "minute": 14, "second": 26}
